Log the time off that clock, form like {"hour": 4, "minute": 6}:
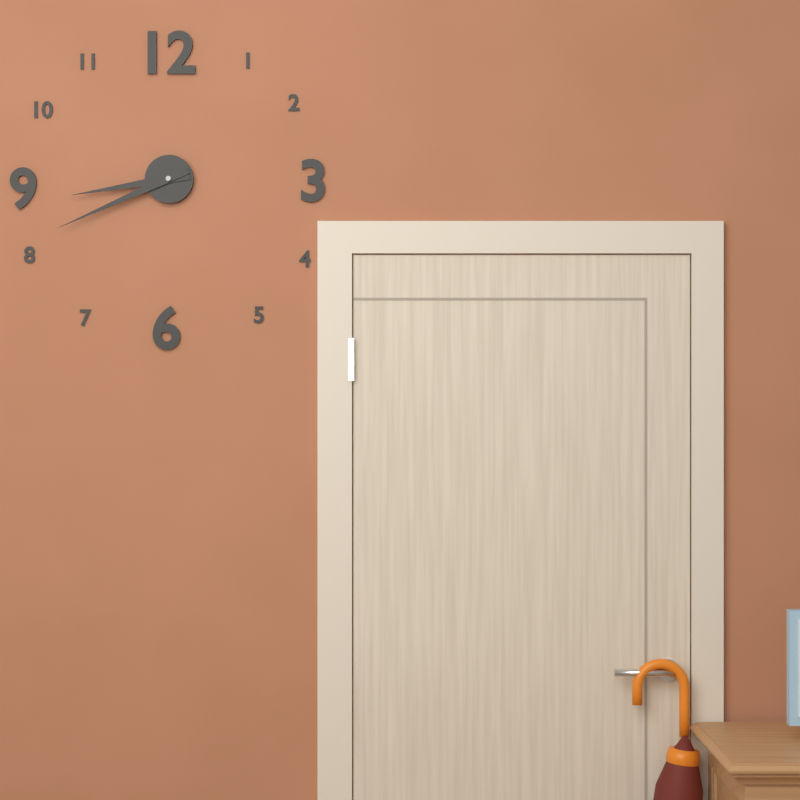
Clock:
{"hour": 8, "minute": 41}
